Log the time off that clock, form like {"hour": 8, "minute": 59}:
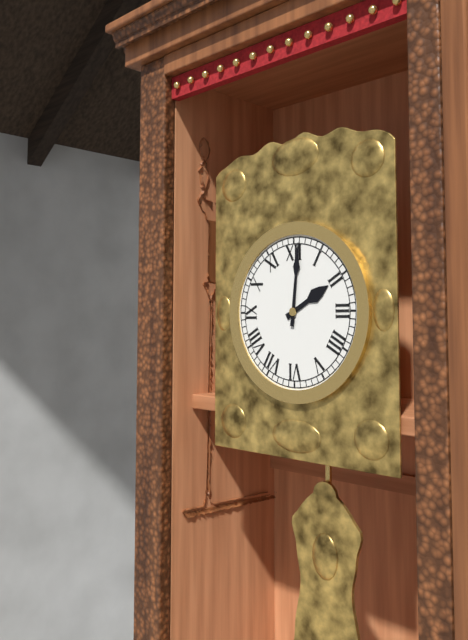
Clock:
{"hour": 2, "minute": 1}
